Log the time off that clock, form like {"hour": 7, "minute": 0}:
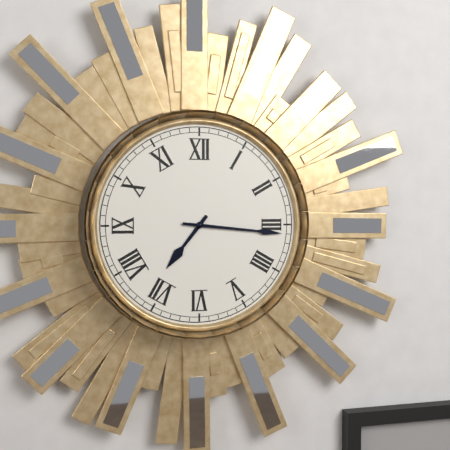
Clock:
{"hour": 7, "minute": 16}
